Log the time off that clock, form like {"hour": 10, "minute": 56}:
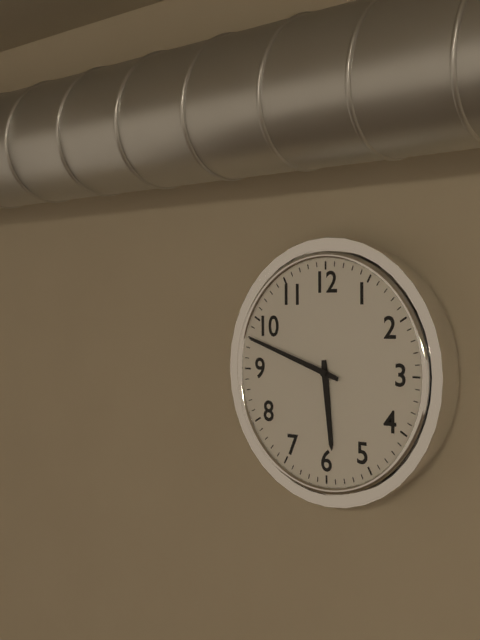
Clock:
{"hour": 5, "minute": 48}
